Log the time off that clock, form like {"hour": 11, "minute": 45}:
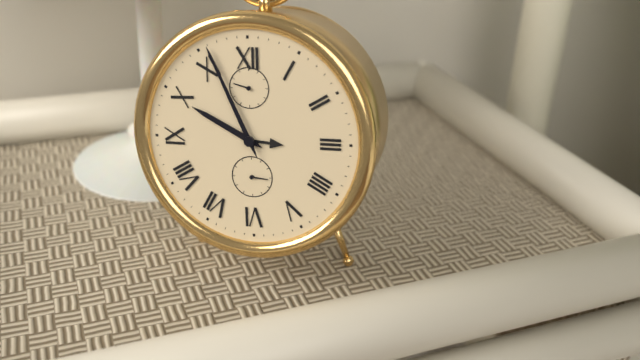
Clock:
{"hour": 9, "minute": 56}
